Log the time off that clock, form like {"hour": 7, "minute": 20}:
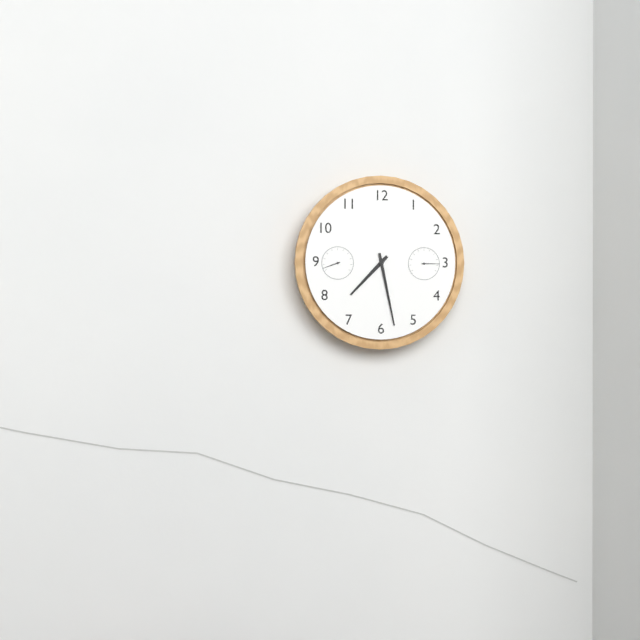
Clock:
{"hour": 7, "minute": 28}
